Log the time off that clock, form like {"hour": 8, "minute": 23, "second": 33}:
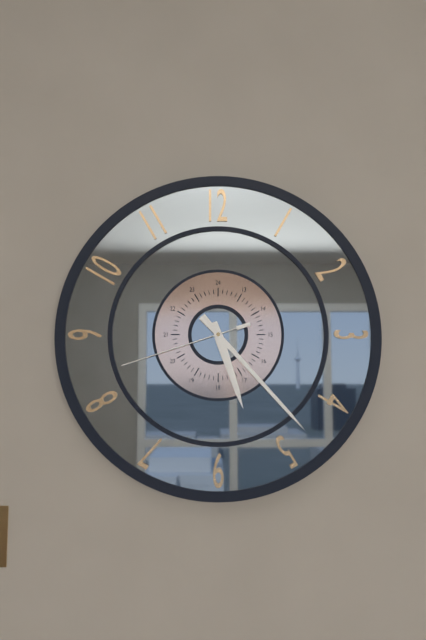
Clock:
{"hour": 5, "minute": 23, "second": 42}
